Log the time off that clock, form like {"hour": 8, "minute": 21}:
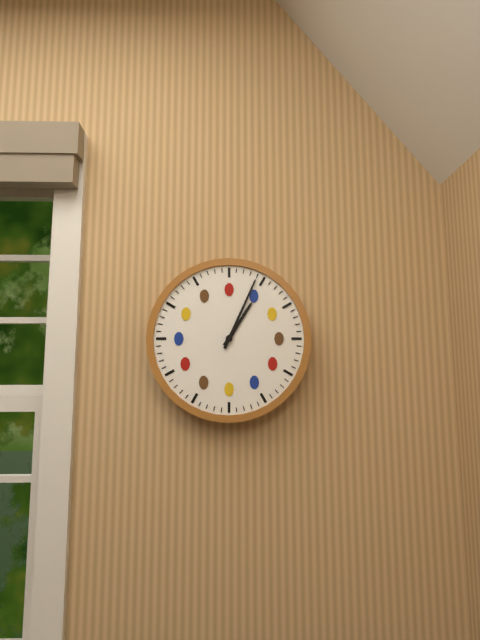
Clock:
{"hour": 1, "minute": 4}
